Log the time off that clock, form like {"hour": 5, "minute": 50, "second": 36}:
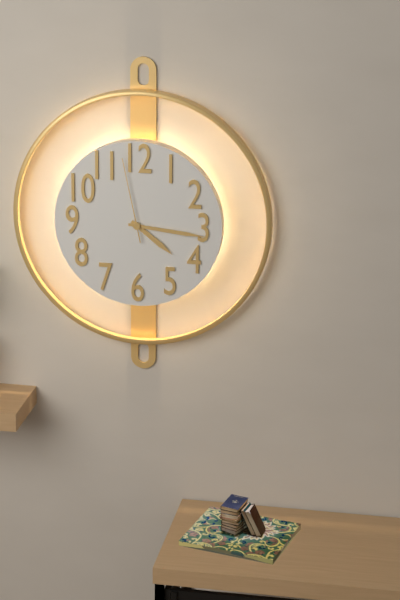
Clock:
{"hour": 4, "minute": 16, "second": 58}
